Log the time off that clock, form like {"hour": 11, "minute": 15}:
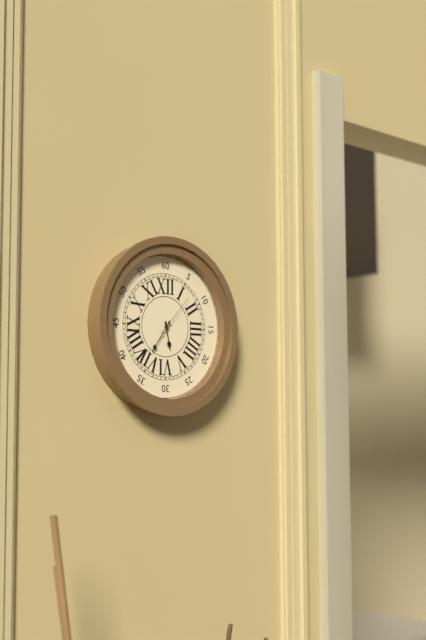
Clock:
{"hour": 5, "minute": 36}
